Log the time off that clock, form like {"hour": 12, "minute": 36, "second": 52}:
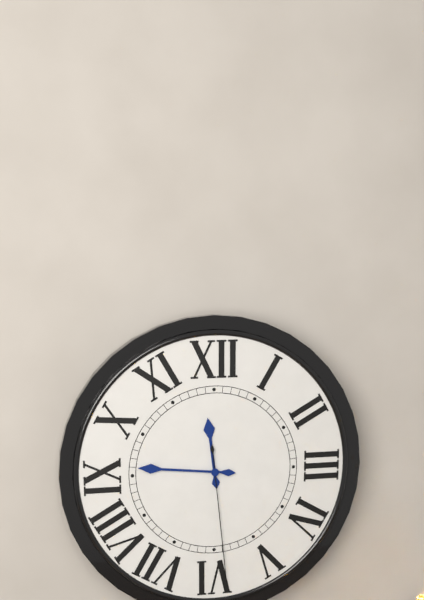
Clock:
{"hour": 11, "minute": 46, "second": 29}
